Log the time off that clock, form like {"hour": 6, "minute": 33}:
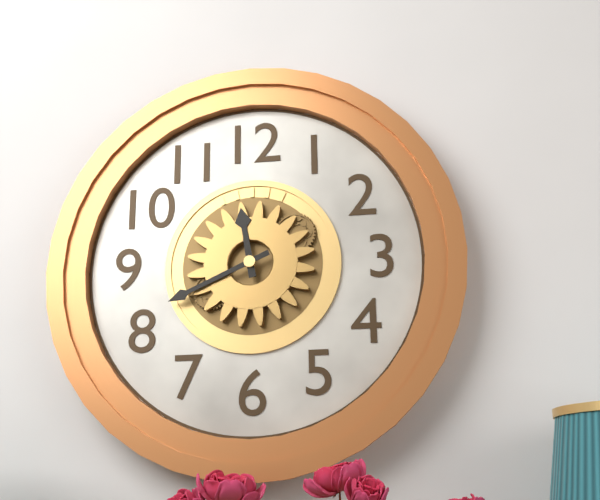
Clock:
{"hour": 11, "minute": 41}
